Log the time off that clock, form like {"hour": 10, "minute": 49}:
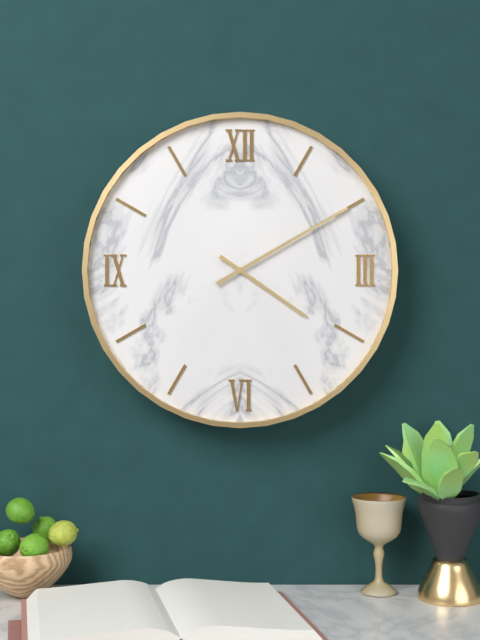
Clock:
{"hour": 4, "minute": 10}
